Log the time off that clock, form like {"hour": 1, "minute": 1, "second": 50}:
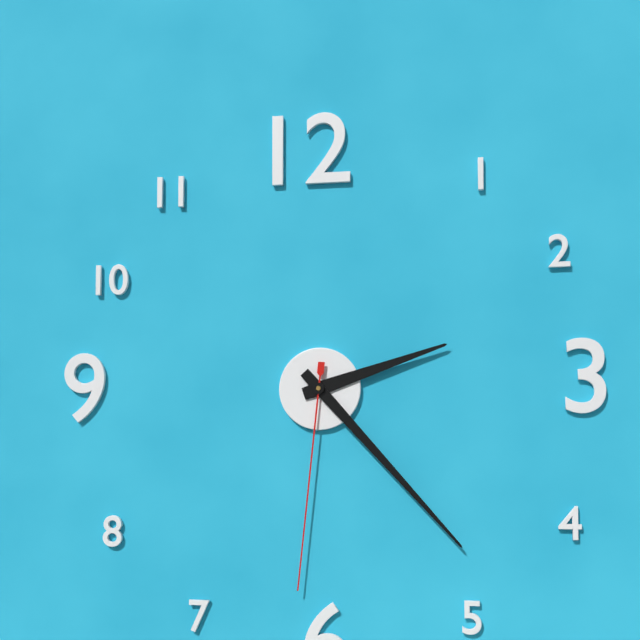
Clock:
{"hour": 2, "minute": 23, "second": 31}
